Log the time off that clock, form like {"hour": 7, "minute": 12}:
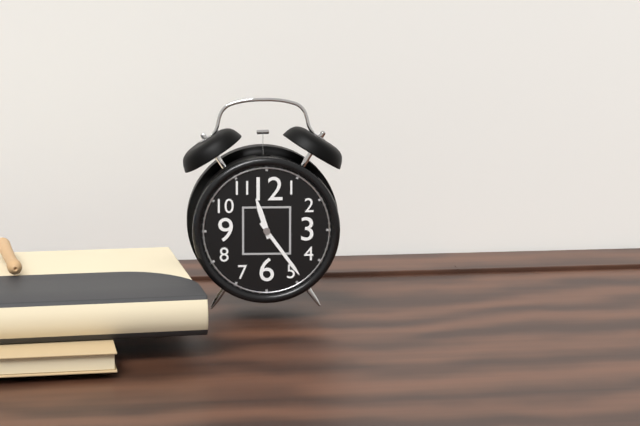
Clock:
{"hour": 11, "minute": 24}
